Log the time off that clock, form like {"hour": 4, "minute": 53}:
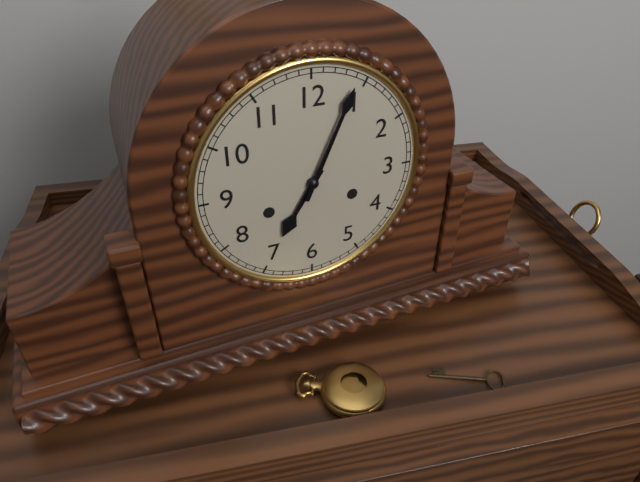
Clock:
{"hour": 7, "minute": 4}
